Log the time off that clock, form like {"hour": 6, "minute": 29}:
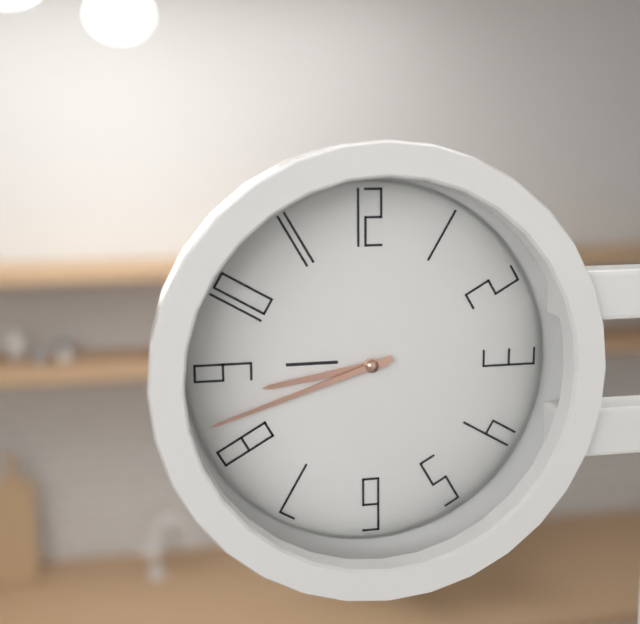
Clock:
{"hour": 8, "minute": 42}
